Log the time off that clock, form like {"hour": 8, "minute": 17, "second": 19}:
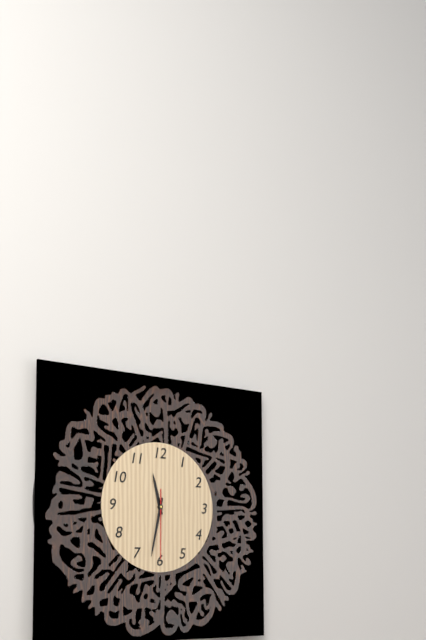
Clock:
{"hour": 11, "minute": 32, "second": 30}
